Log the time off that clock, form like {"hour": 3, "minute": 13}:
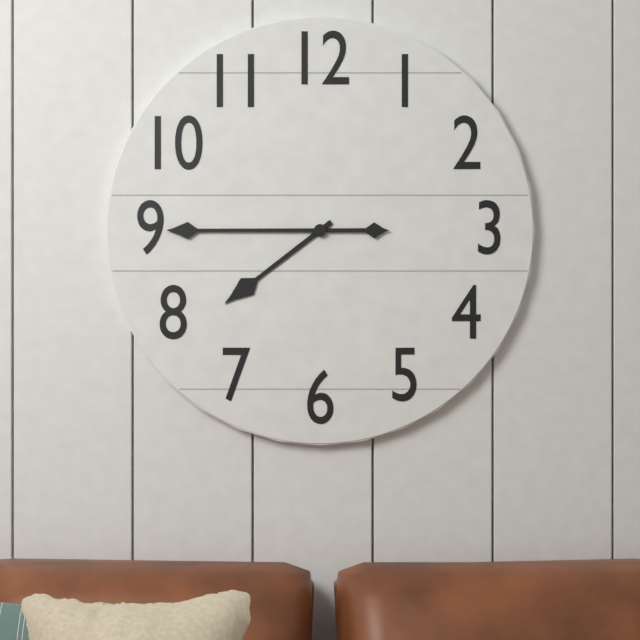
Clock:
{"hour": 7, "minute": 45}
